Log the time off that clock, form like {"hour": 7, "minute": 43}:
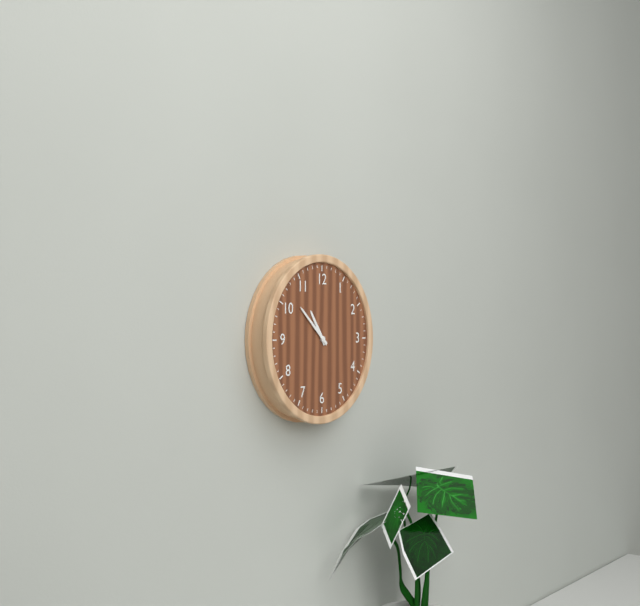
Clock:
{"hour": 10, "minute": 52}
